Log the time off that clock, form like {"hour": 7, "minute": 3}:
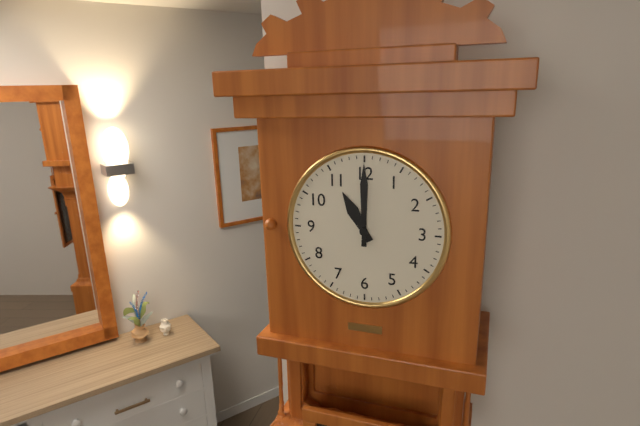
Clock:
{"hour": 11, "minute": 0}
